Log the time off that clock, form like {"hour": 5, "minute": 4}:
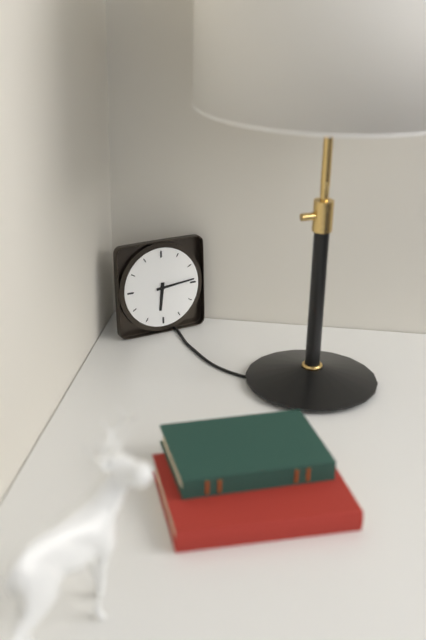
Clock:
{"hour": 6, "minute": 14}
